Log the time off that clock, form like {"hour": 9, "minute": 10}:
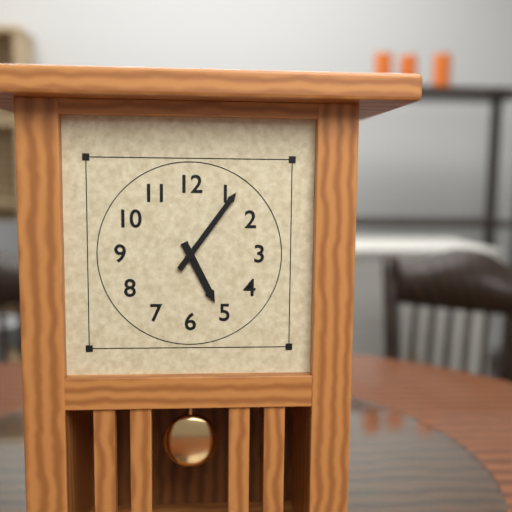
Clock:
{"hour": 5, "minute": 6}
